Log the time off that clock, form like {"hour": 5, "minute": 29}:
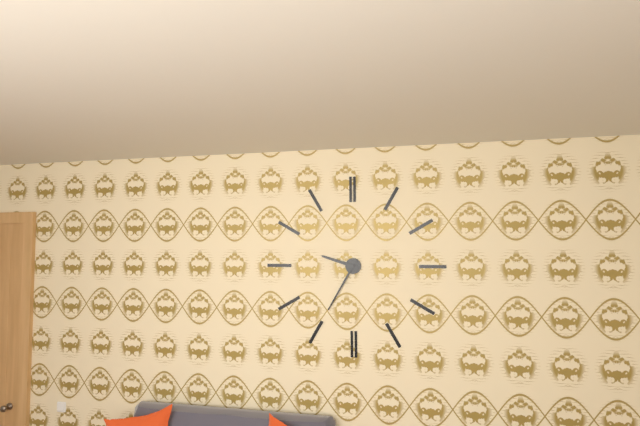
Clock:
{"hour": 9, "minute": 35}
